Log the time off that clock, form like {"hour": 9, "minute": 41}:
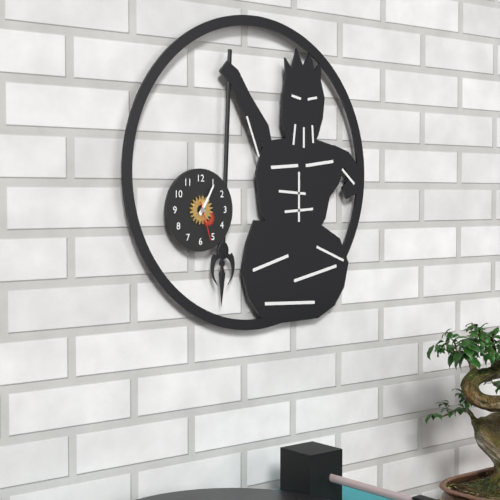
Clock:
{"hour": 1, "minute": 5}
